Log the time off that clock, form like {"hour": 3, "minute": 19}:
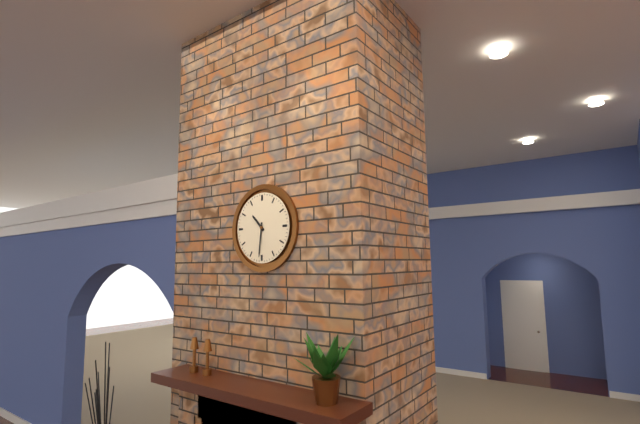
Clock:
{"hour": 10, "minute": 31}
